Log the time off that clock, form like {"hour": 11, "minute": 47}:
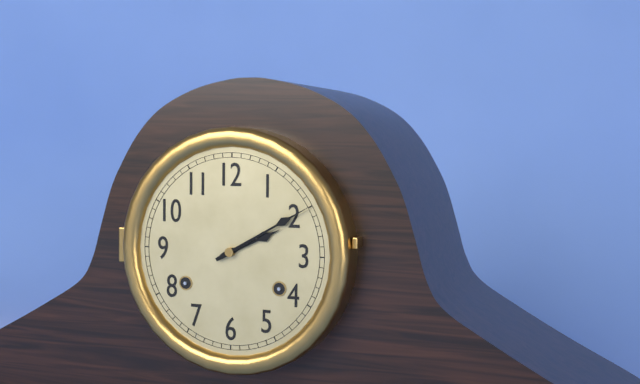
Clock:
{"hour": 2, "minute": 10}
